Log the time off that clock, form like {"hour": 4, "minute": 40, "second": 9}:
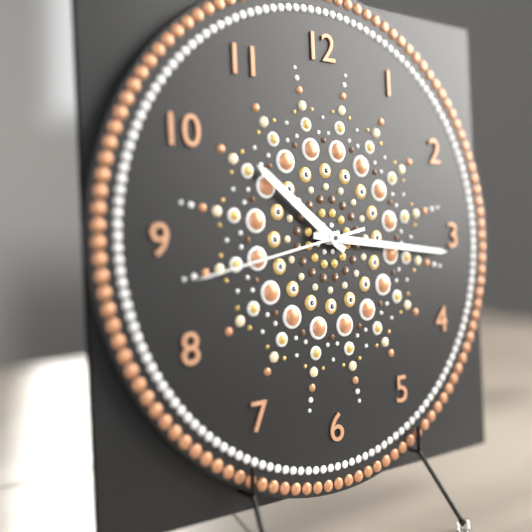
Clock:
{"hour": 10, "minute": 16, "second": 43}
